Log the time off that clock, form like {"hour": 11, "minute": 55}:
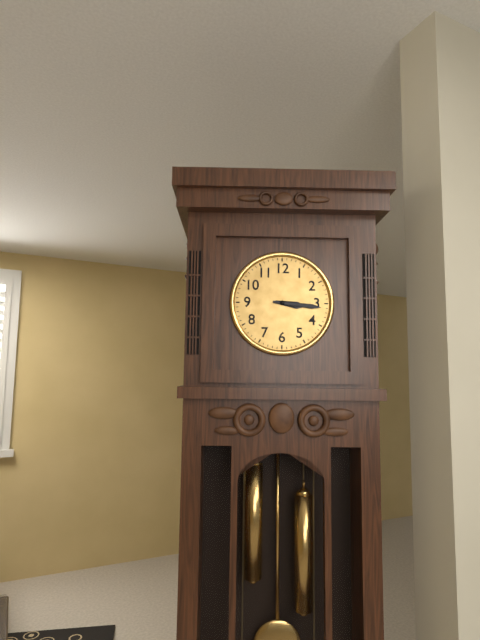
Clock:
{"hour": 3, "minute": 16}
